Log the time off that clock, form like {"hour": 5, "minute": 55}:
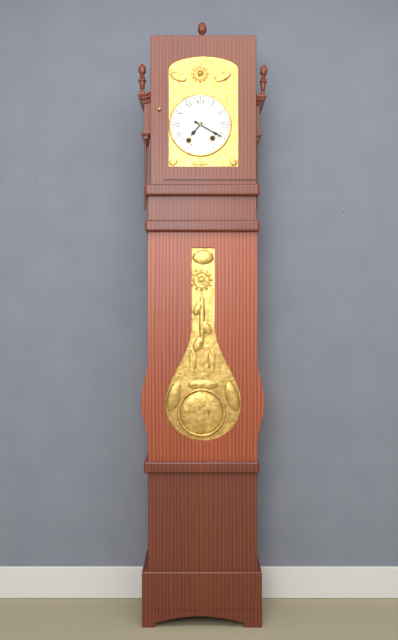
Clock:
{"hour": 7, "minute": 20}
